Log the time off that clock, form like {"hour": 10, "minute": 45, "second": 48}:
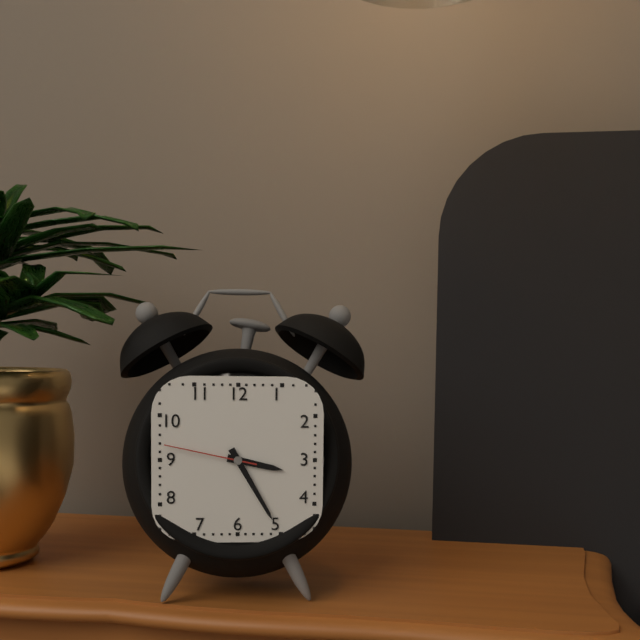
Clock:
{"hour": 3, "minute": 25, "second": 47}
